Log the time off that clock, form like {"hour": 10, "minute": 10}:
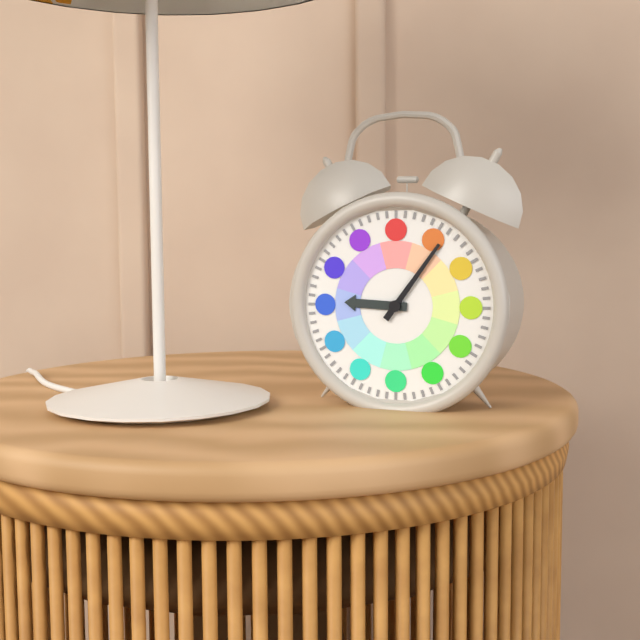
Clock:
{"hour": 9, "minute": 6}
